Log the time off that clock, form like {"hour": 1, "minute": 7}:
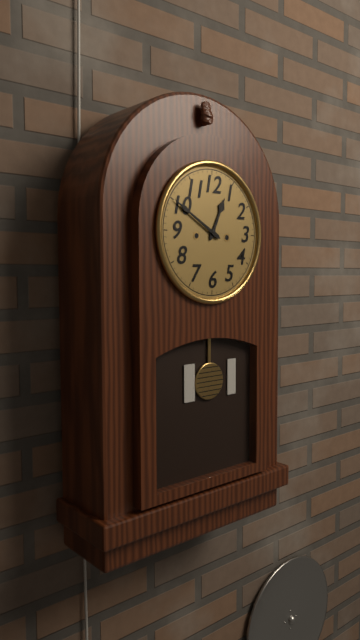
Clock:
{"hour": 12, "minute": 50}
